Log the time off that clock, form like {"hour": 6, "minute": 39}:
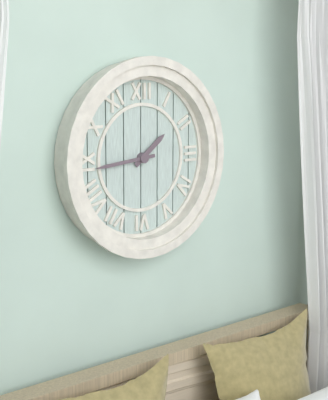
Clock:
{"hour": 1, "minute": 44}
